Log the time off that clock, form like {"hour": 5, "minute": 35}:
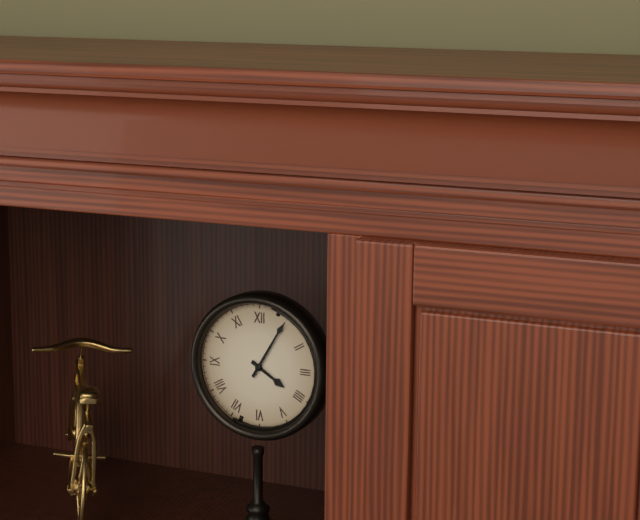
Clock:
{"hour": 4, "minute": 5}
